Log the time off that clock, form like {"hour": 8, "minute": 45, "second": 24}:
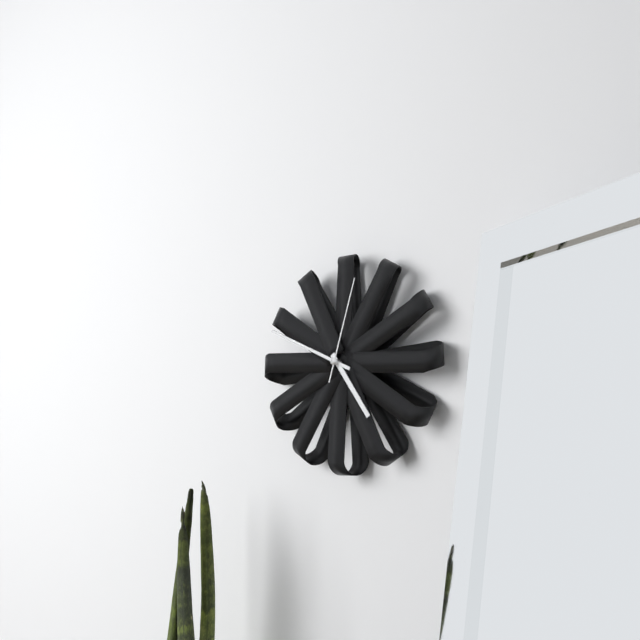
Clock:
{"hour": 4, "minute": 49, "second": 3}
